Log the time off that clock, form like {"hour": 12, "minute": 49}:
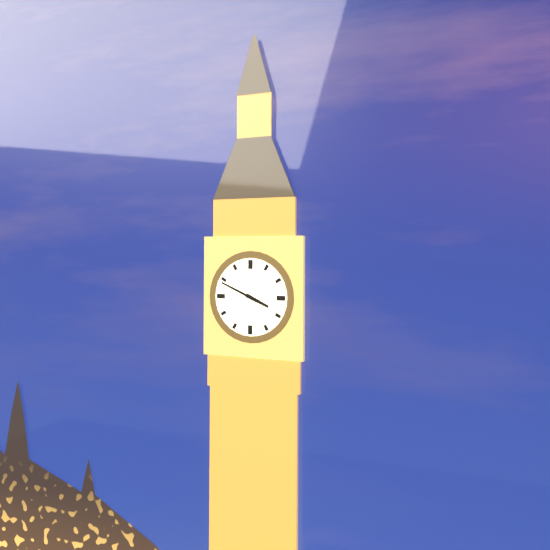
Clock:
{"hour": 3, "minute": 49}
